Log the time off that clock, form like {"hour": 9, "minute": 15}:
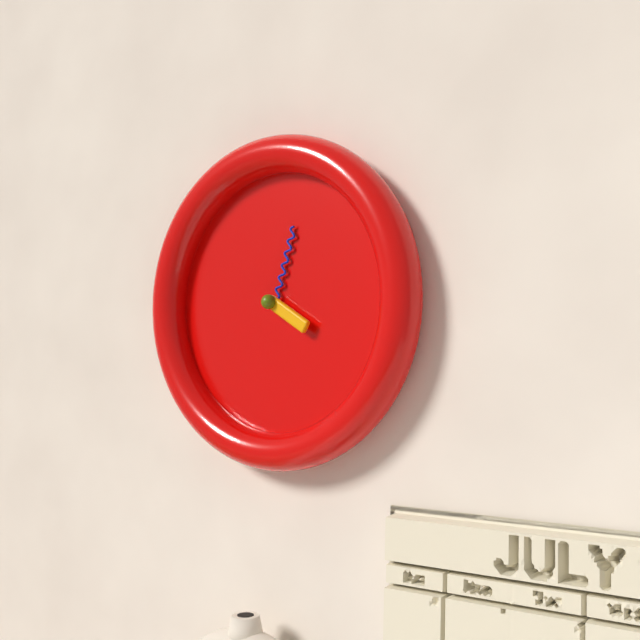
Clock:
{"hour": 4, "minute": 3}
